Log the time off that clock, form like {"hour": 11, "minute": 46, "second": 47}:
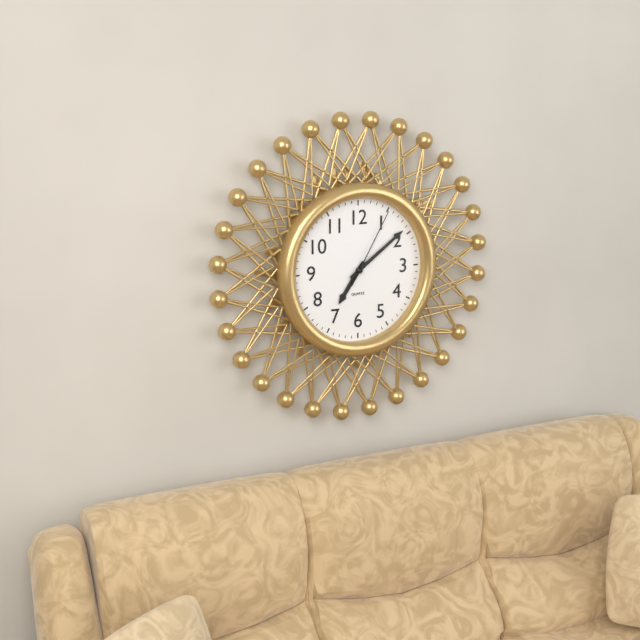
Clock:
{"hour": 7, "minute": 9, "second": 5}
